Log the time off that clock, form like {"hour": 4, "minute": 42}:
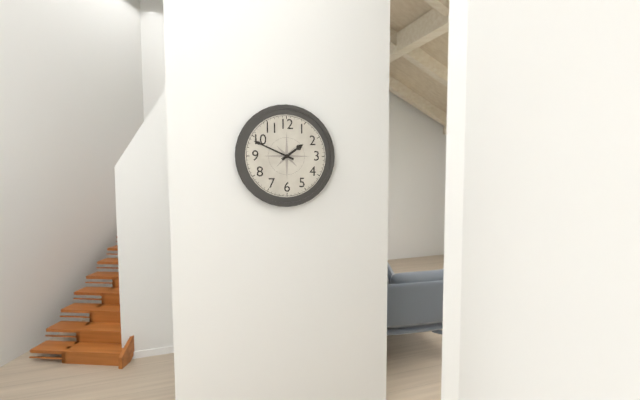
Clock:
{"hour": 1, "minute": 49}
